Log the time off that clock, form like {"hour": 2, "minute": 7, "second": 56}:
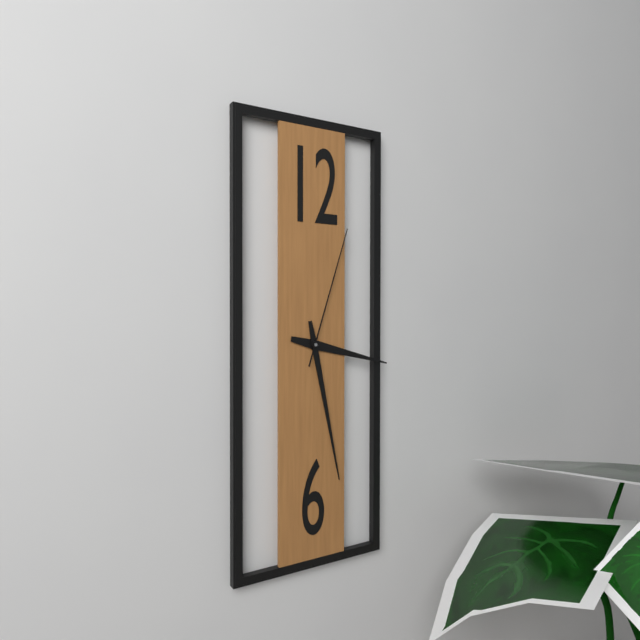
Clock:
{"hour": 3, "minute": 28, "second": 3}
